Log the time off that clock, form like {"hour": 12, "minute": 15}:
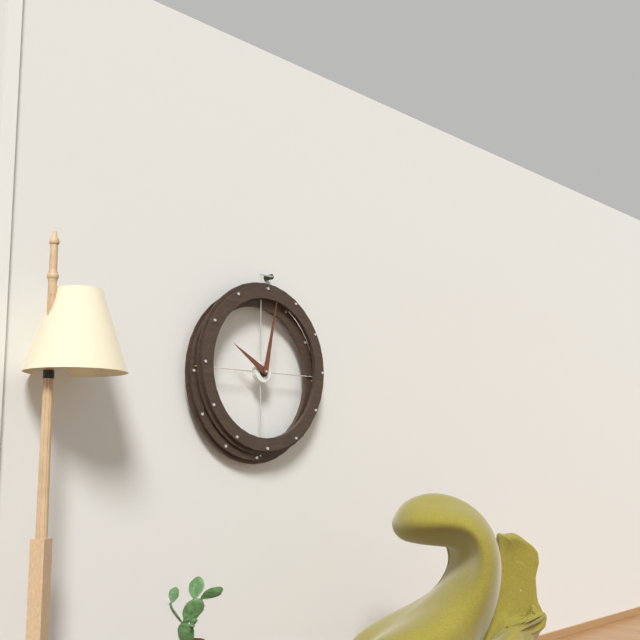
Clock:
{"hour": 10, "minute": 2}
